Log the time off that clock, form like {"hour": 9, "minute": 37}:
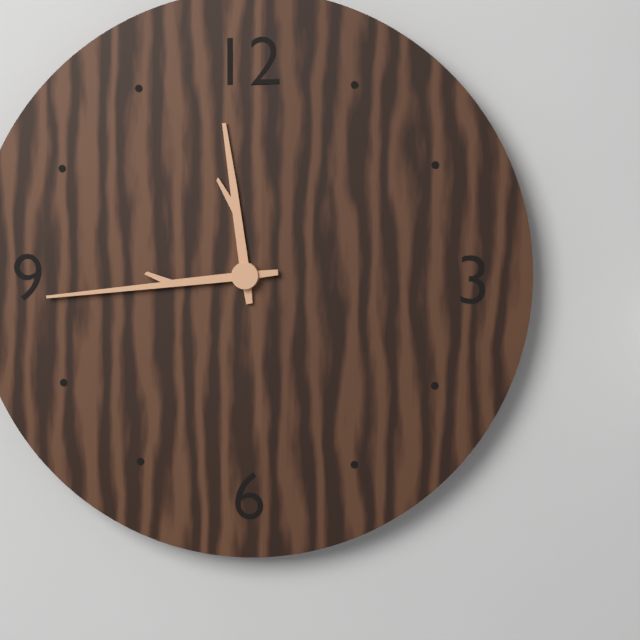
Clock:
{"hour": 11, "minute": 44}
